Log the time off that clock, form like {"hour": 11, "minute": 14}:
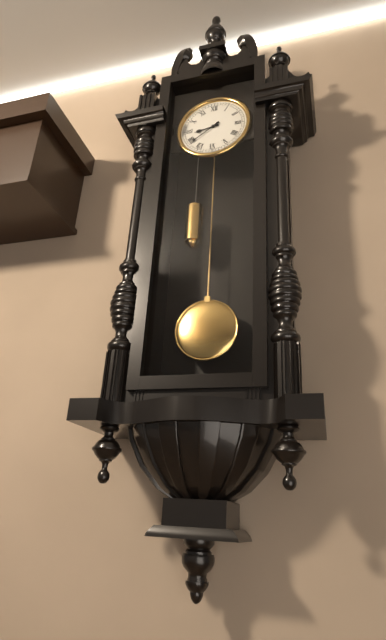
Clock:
{"hour": 8, "minute": 39}
